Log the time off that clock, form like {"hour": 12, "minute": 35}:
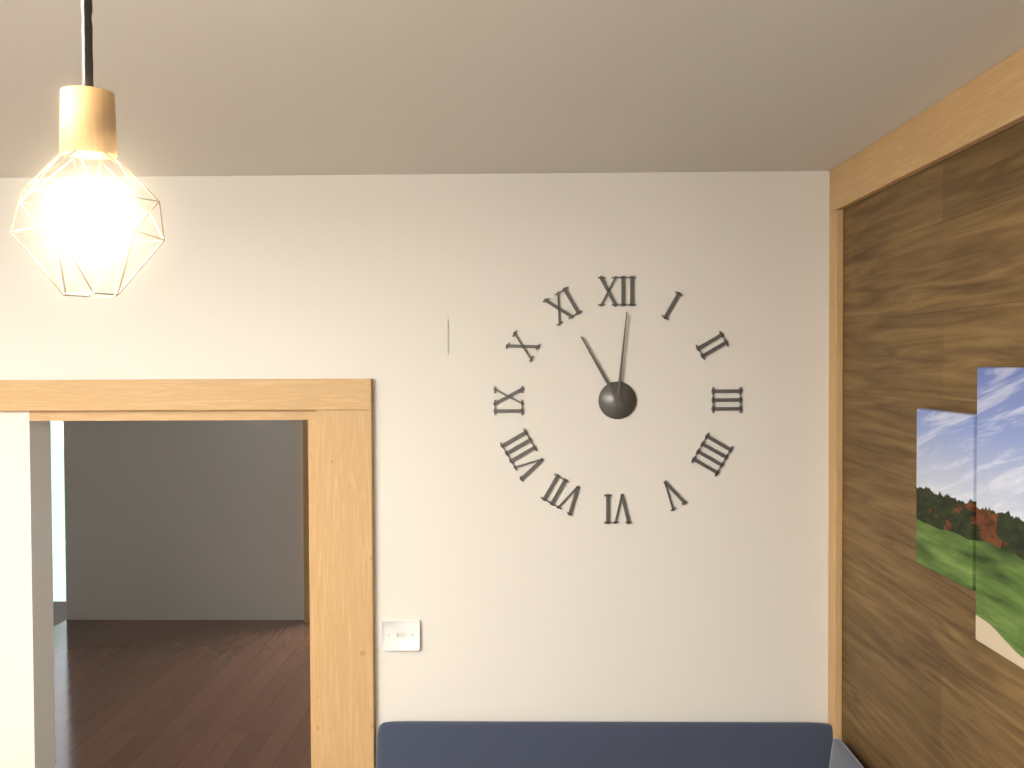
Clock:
{"hour": 11, "minute": 1}
